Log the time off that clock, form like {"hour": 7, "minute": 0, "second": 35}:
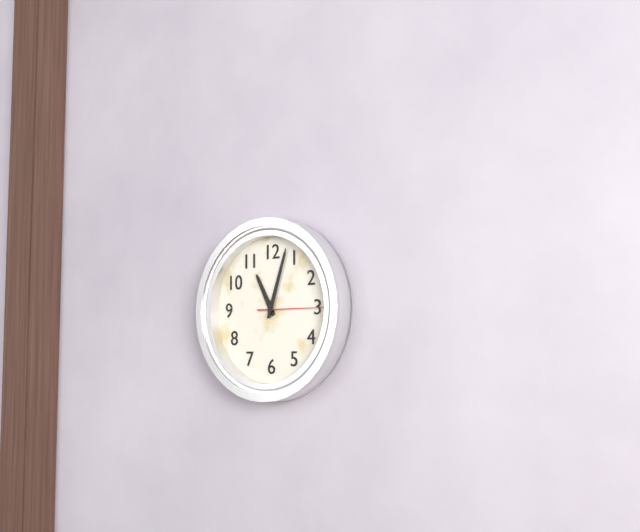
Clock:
{"hour": 11, "minute": 3, "second": 15}
